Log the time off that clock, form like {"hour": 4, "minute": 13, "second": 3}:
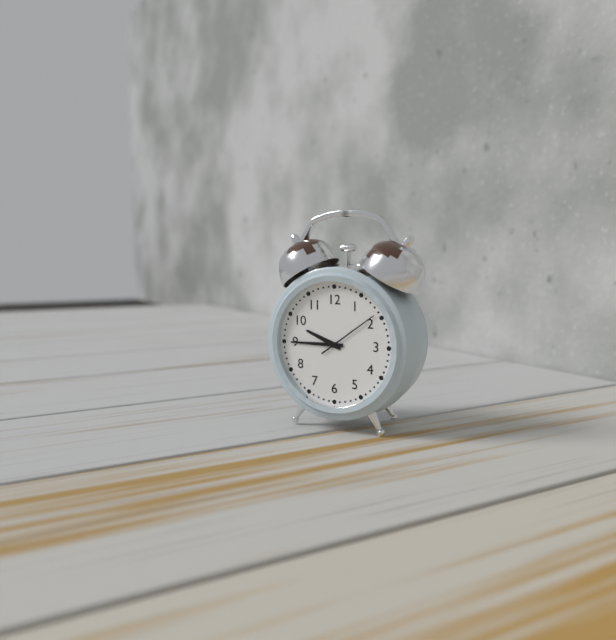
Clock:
{"hour": 9, "minute": 45, "second": 9}
